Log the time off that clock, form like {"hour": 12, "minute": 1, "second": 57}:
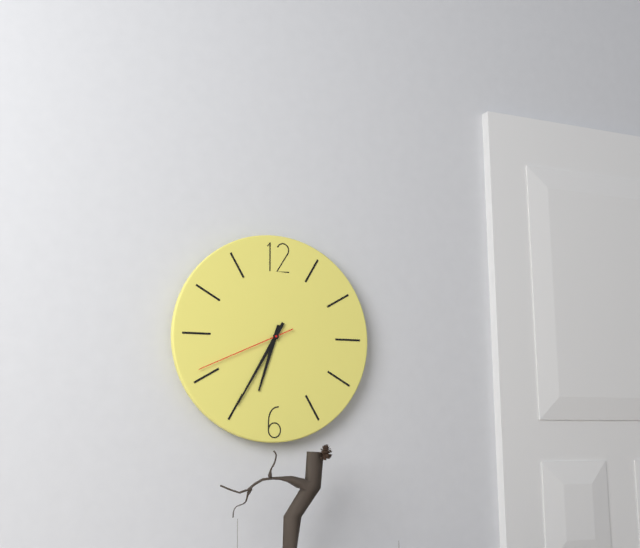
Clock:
{"hour": 6, "minute": 35, "second": 41}
